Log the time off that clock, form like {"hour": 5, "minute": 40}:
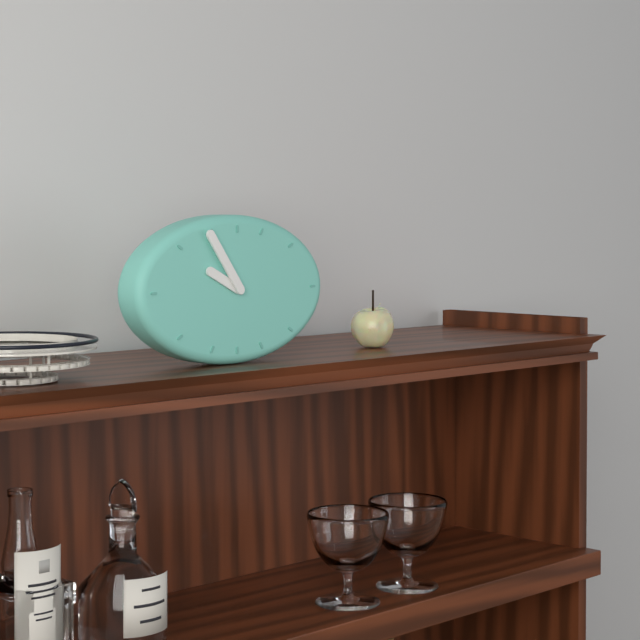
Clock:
{"hour": 9, "minute": 54}
